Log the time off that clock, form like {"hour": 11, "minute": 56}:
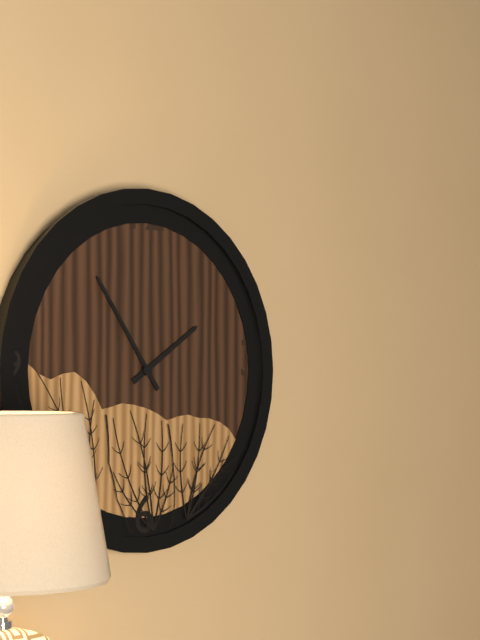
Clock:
{"hour": 1, "minute": 54}
